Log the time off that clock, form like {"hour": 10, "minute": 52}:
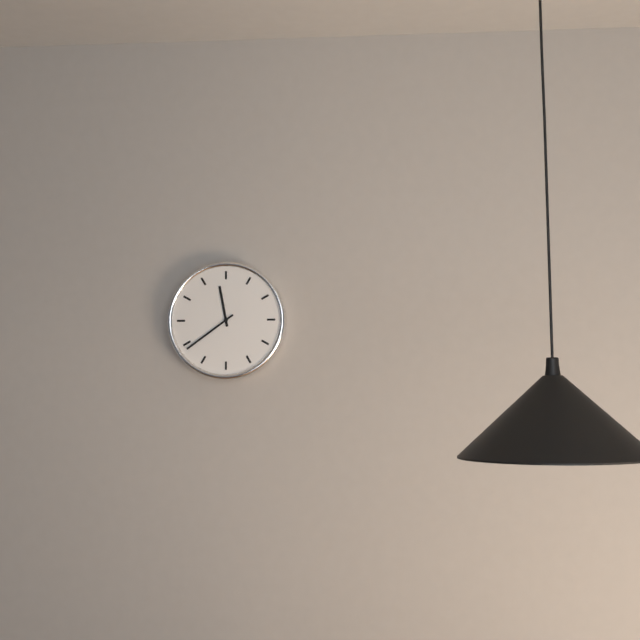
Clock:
{"hour": 11, "minute": 39}
